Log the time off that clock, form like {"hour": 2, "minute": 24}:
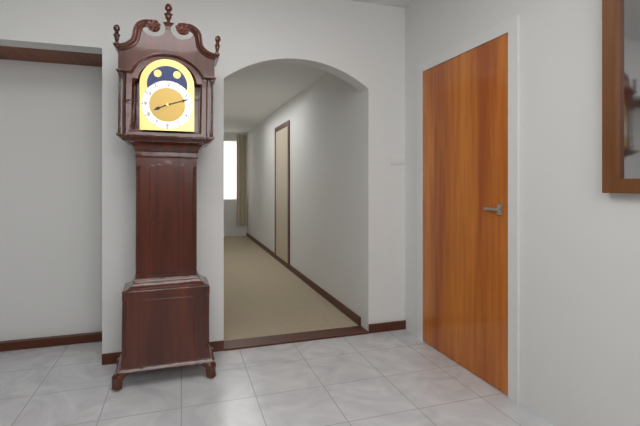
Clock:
{"hour": 8, "minute": 12}
